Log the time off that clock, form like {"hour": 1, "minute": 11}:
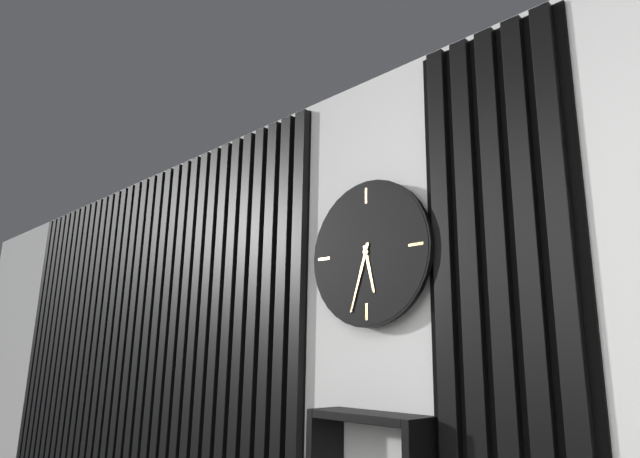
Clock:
{"hour": 5, "minute": 33}
